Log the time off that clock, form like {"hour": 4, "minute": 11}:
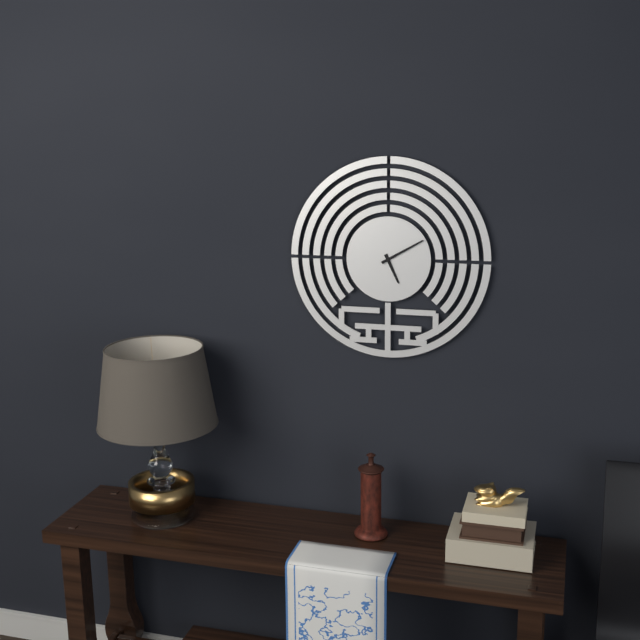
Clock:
{"hour": 5, "minute": 10}
